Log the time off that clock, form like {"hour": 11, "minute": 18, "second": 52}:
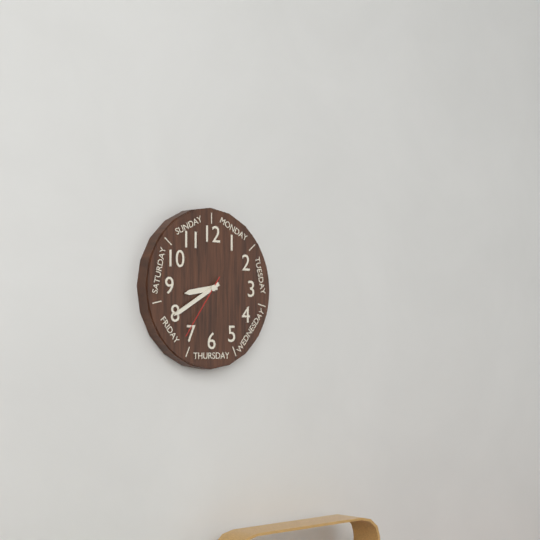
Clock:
{"hour": 8, "minute": 40, "second": 36}
